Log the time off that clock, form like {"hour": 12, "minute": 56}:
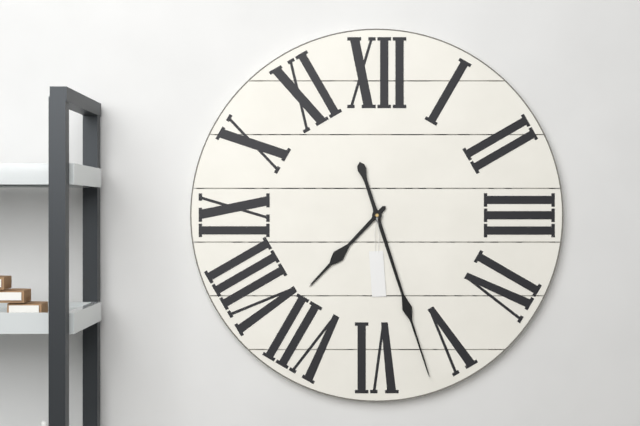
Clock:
{"hour": 7, "minute": 27}
